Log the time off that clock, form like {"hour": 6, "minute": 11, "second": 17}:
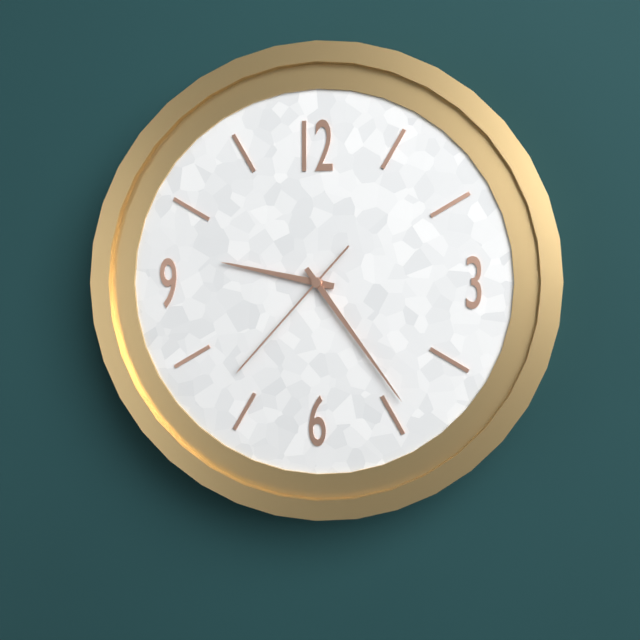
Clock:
{"hour": 9, "minute": 24, "second": 37}
